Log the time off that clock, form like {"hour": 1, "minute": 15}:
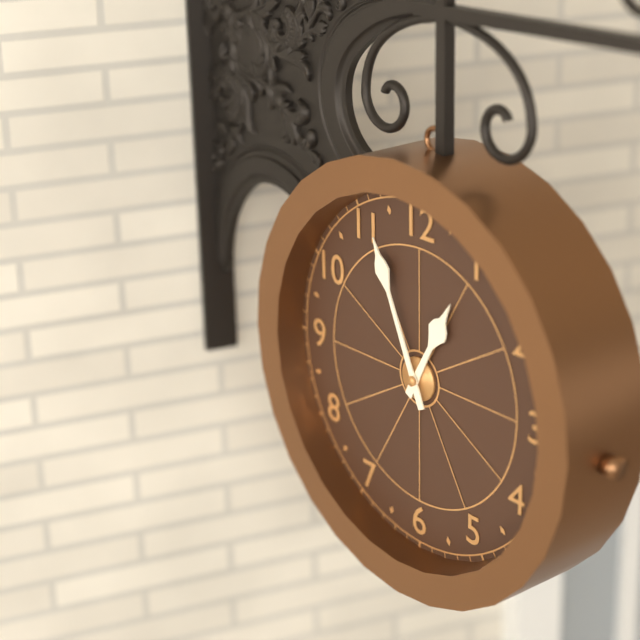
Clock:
{"hour": 12, "minute": 56}
